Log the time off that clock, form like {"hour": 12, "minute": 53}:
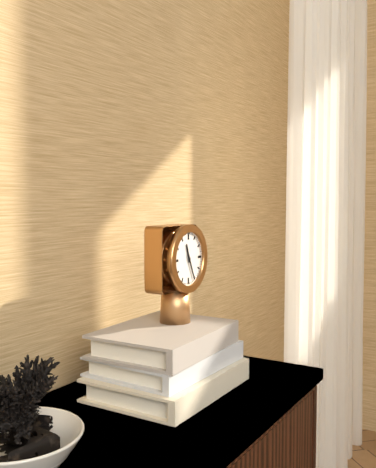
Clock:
{"hour": 11, "minute": 26}
